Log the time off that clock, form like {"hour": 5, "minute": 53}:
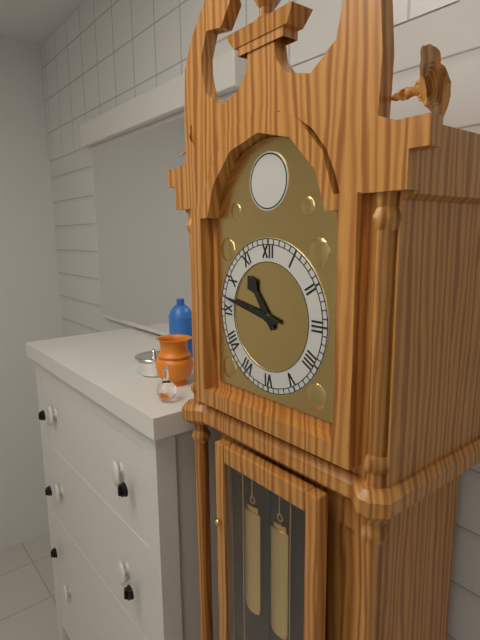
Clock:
{"hour": 10, "minute": 47}
